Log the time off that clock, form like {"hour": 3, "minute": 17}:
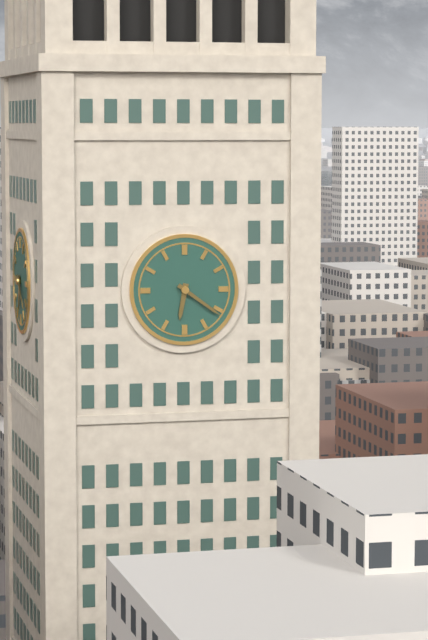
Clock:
{"hour": 6, "minute": 21}
